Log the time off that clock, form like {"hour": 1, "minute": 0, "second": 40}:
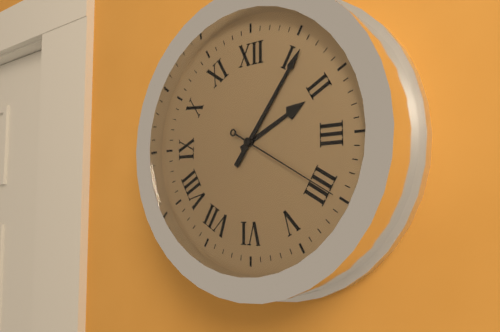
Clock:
{"hour": 2, "minute": 6, "second": 20}
